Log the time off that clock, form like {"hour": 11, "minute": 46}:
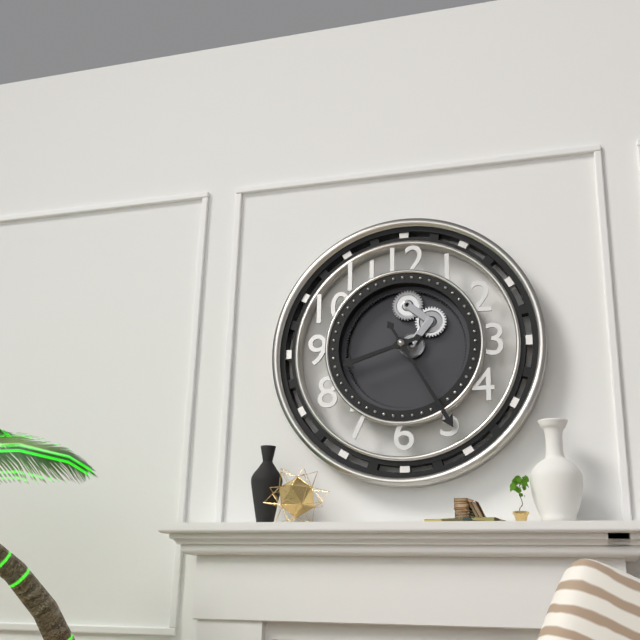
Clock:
{"hour": 8, "minute": 25}
